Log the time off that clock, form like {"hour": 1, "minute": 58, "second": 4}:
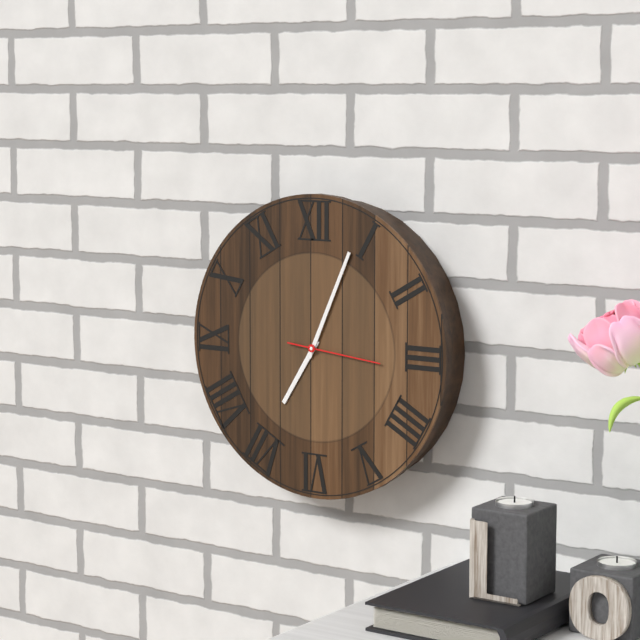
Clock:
{"hour": 7, "minute": 4, "second": 16}
